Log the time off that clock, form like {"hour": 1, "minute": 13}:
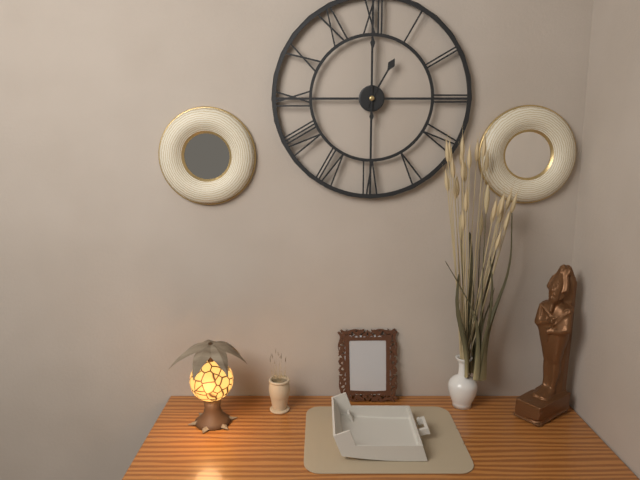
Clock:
{"hour": 1, "minute": 0}
